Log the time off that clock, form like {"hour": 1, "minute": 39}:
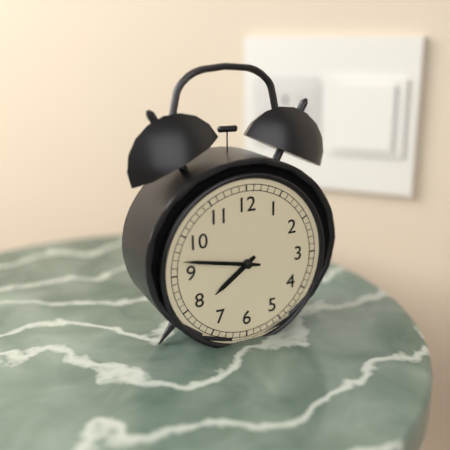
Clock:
{"hour": 7, "minute": 47}
